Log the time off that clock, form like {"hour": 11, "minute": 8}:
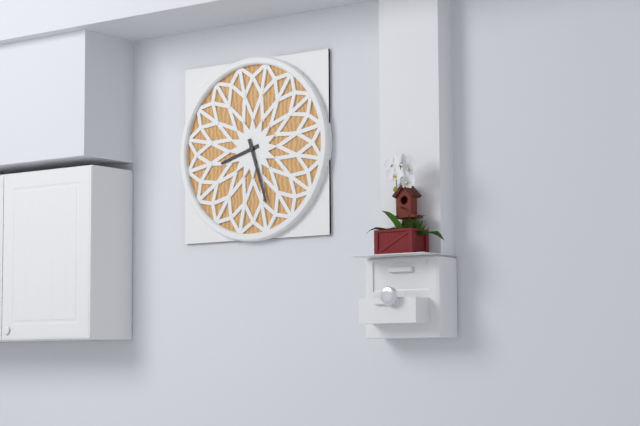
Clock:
{"hour": 8, "minute": 27}
